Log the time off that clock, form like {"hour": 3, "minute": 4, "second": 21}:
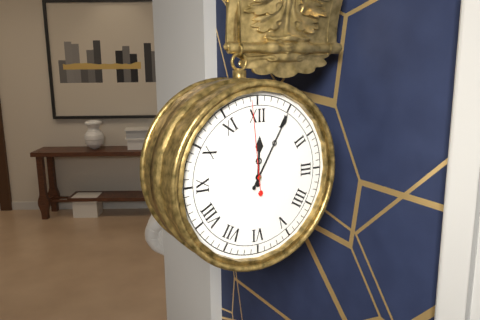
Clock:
{"hour": 12, "minute": 5, "second": 59}
